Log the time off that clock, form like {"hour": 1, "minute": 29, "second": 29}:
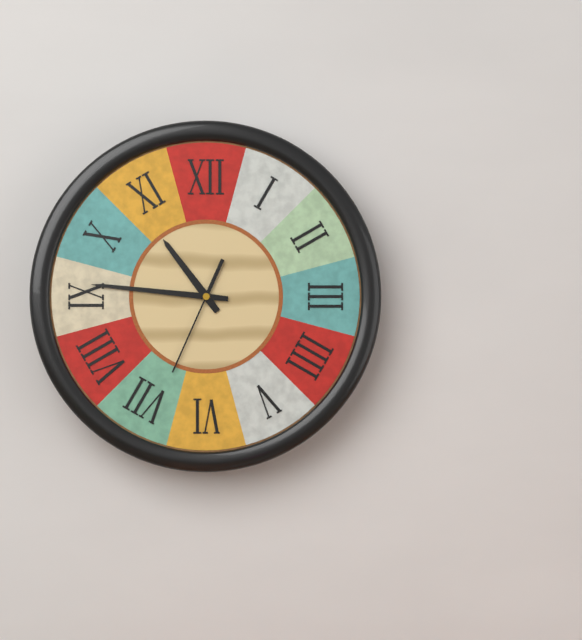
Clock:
{"hour": 10, "minute": 46, "second": 34}
